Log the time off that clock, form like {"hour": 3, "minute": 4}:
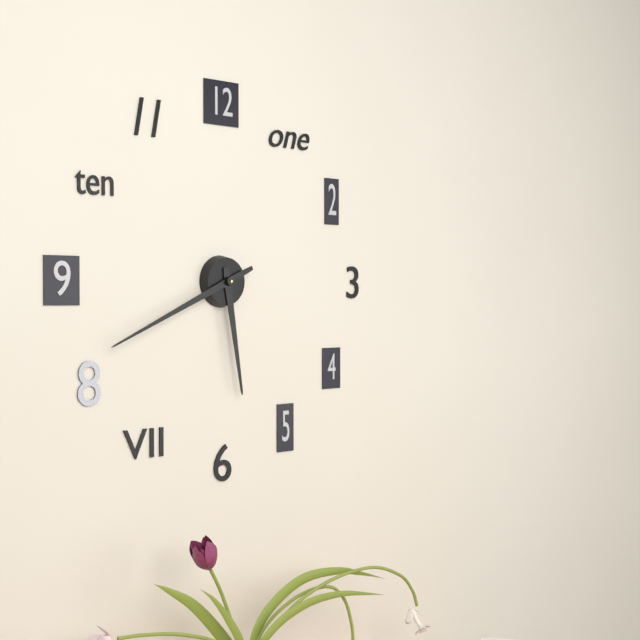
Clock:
{"hour": 5, "minute": 41}
